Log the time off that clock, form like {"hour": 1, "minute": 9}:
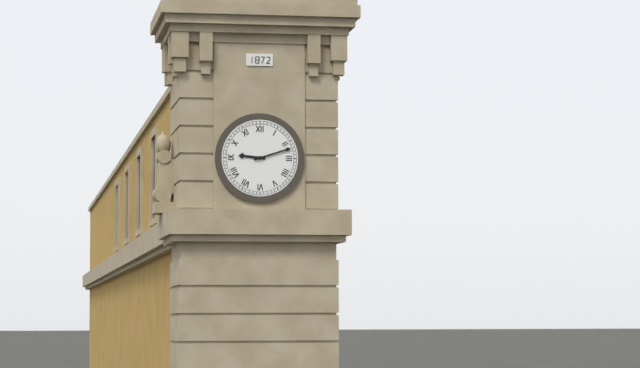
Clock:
{"hour": 9, "minute": 12}
